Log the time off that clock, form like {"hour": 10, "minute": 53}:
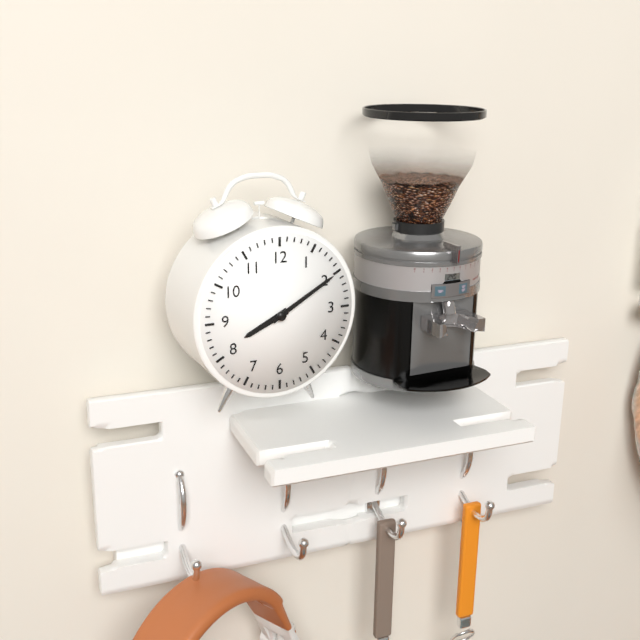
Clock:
{"hour": 8, "minute": 10}
